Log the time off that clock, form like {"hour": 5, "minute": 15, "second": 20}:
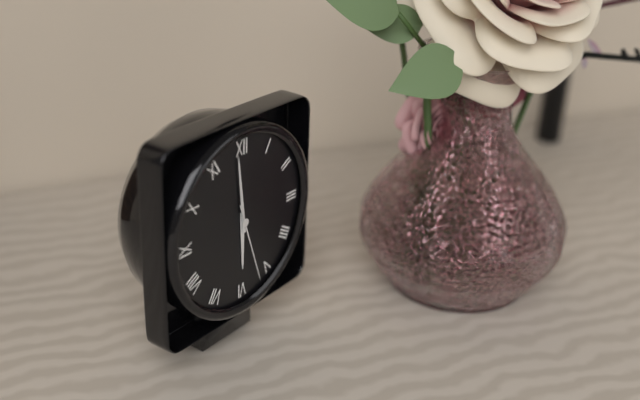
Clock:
{"hour": 5, "minute": 59, "second": 27}
